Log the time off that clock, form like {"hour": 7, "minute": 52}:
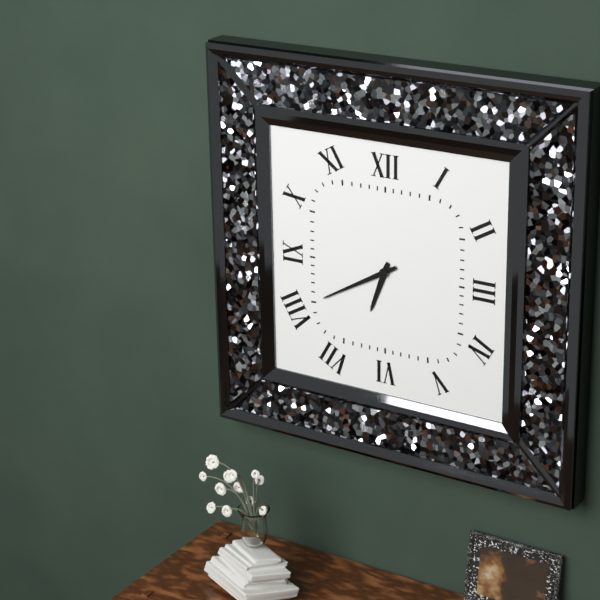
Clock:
{"hour": 6, "minute": 40}
